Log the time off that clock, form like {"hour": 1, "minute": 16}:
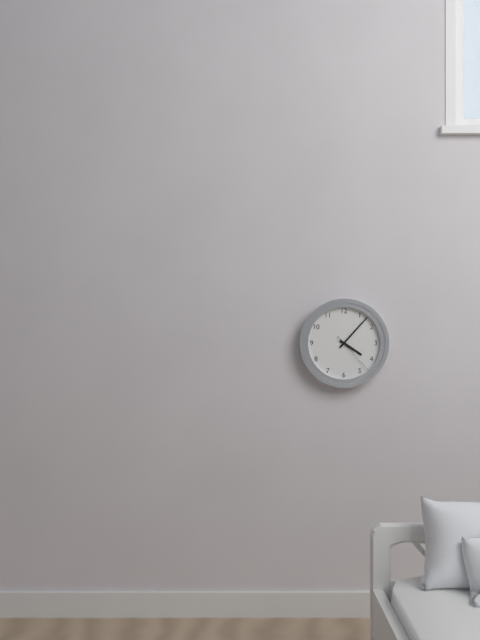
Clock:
{"hour": 4, "minute": 7}
